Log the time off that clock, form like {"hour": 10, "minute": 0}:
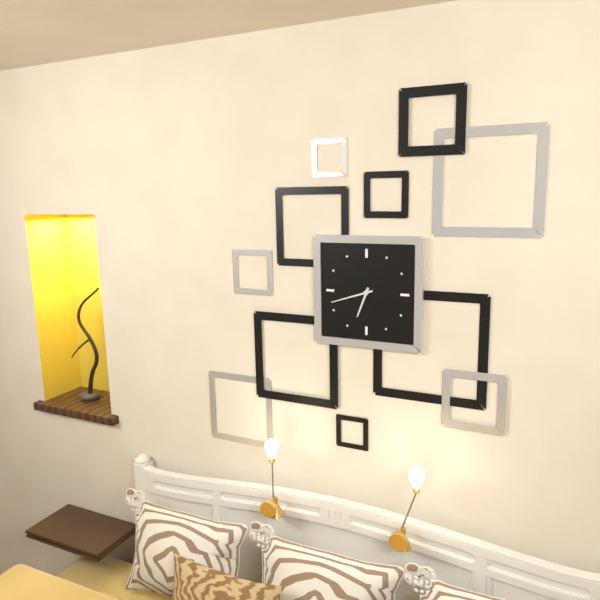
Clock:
{"hour": 6, "minute": 42}
